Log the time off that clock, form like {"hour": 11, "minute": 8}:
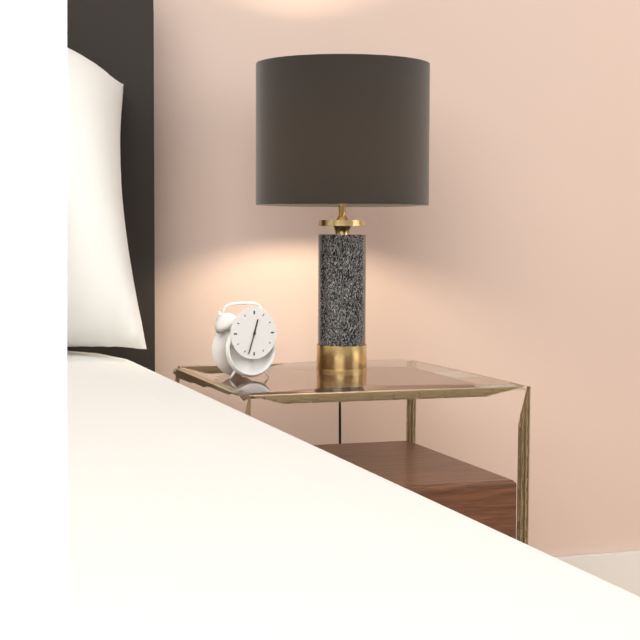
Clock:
{"hour": 12, "minute": 33}
